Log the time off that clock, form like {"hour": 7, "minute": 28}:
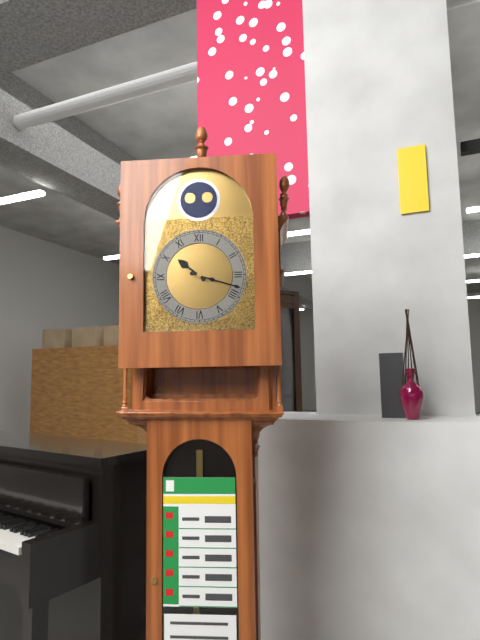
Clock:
{"hour": 10, "minute": 18}
